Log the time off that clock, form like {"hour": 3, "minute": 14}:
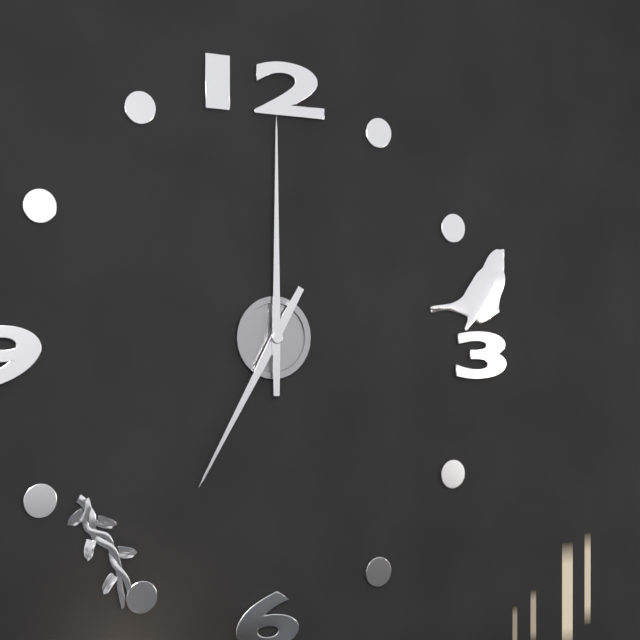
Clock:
{"hour": 7, "minute": 0}
